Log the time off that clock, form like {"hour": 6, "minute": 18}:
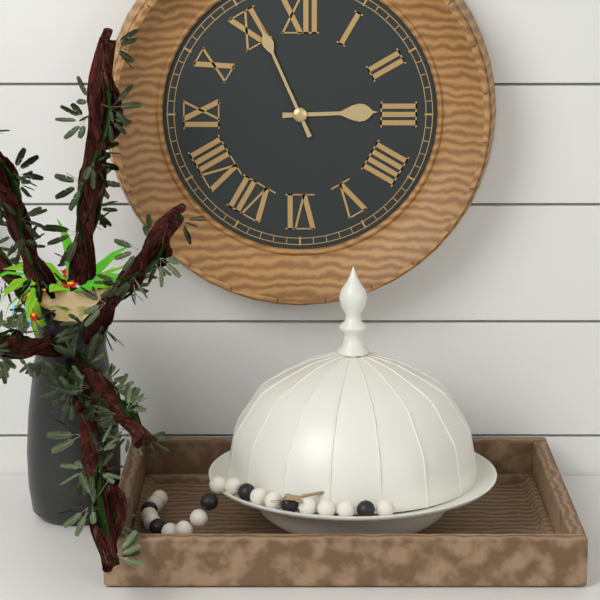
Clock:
{"hour": 2, "minute": 56}
